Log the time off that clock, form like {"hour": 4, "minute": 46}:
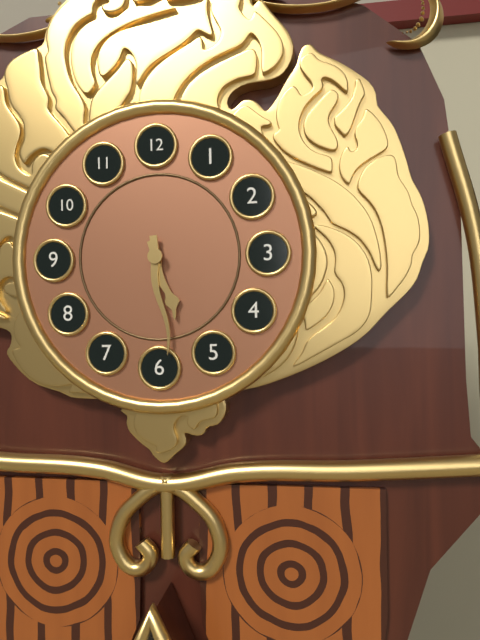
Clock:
{"hour": 5, "minute": 29}
